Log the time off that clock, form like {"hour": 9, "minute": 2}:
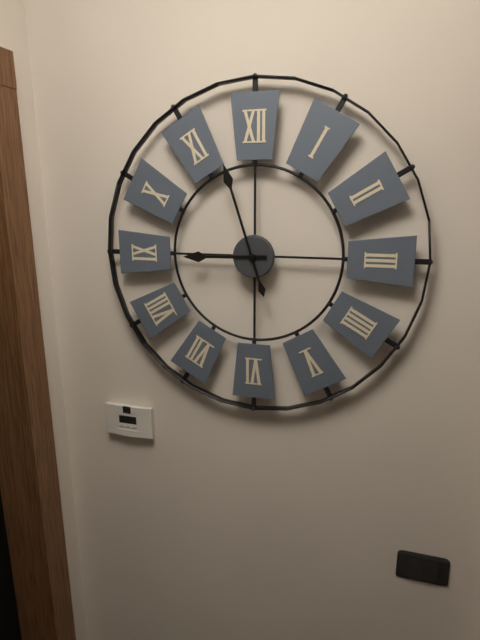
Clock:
{"hour": 8, "minute": 57}
